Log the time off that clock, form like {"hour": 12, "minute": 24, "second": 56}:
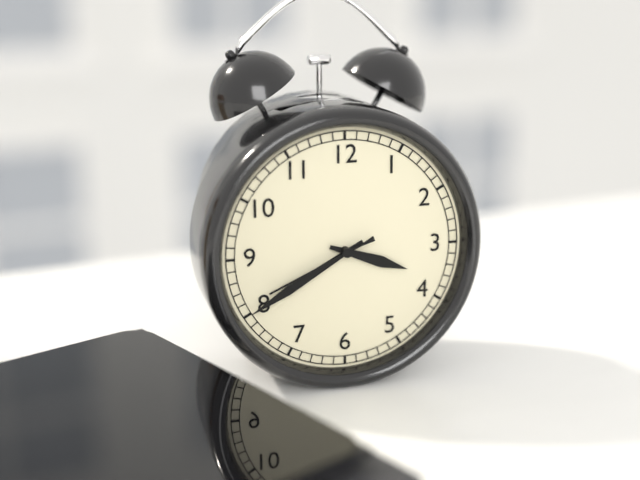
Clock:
{"hour": 3, "minute": 40, "second": 41}
